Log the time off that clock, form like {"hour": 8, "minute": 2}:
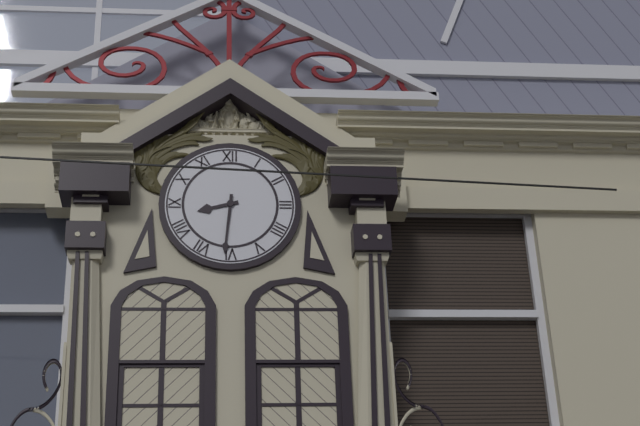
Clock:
{"hour": 8, "minute": 31}
